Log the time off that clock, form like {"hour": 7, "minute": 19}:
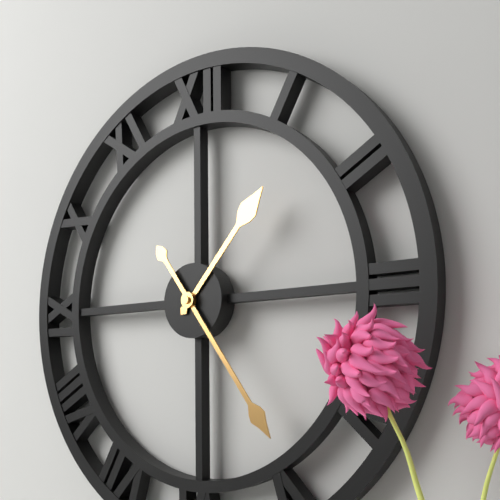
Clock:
{"hour": 1, "minute": 24}
